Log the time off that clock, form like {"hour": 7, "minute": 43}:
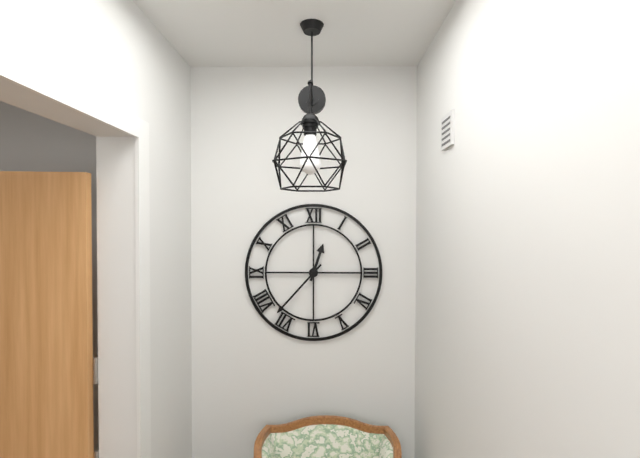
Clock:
{"hour": 12, "minute": 37}
